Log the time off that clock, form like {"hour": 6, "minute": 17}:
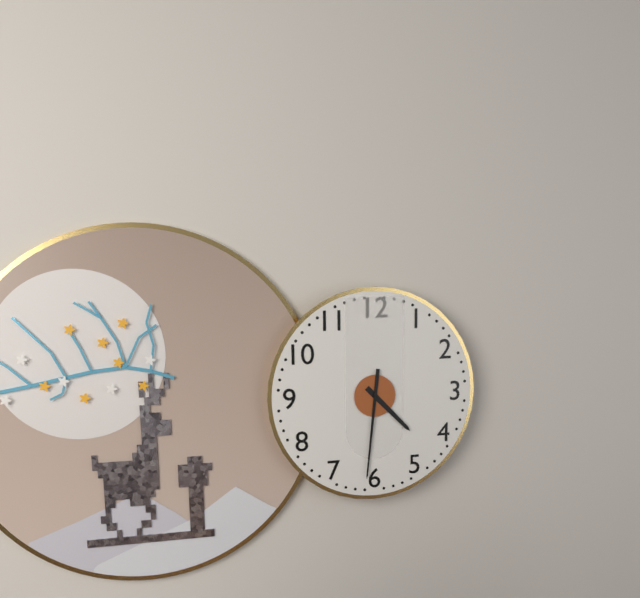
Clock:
{"hour": 4, "minute": 31}
